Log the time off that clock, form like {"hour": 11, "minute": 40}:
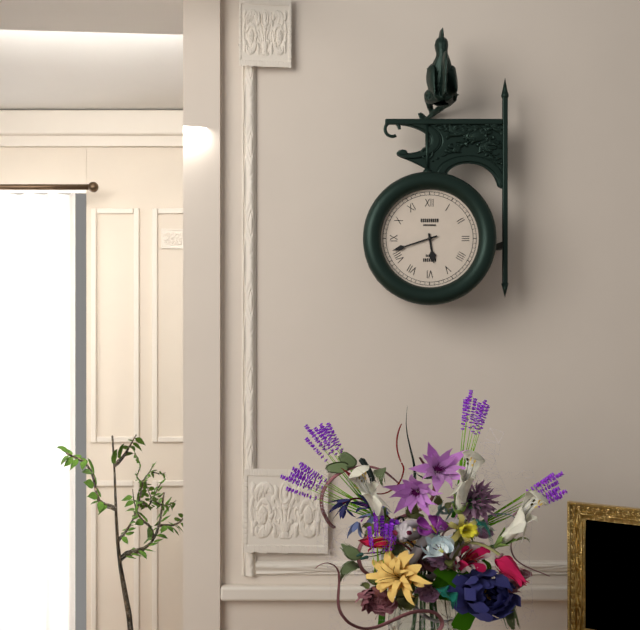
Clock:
{"hour": 5, "minute": 42}
